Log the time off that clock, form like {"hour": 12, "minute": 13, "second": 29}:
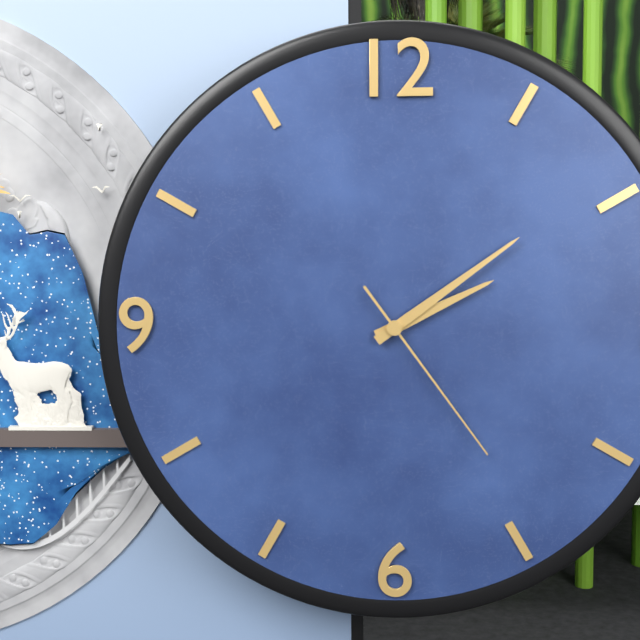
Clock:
{"hour": 2, "minute": 9, "second": 24}
